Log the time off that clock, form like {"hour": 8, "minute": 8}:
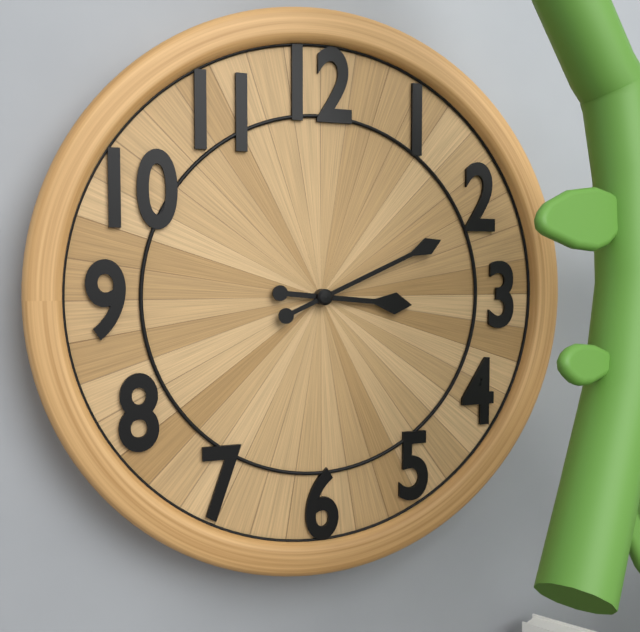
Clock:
{"hour": 3, "minute": 11}
